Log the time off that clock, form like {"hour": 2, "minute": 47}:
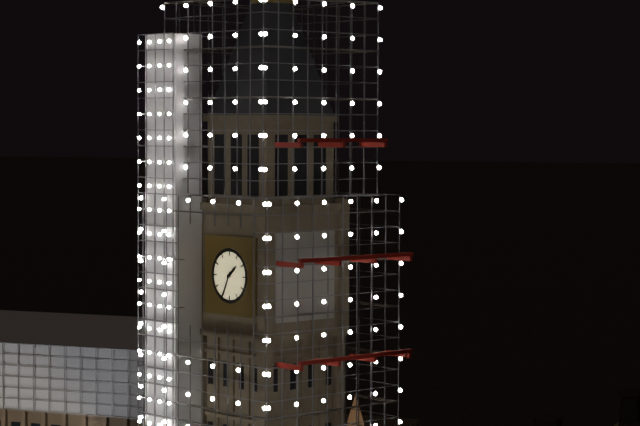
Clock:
{"hour": 1, "minute": 34}
